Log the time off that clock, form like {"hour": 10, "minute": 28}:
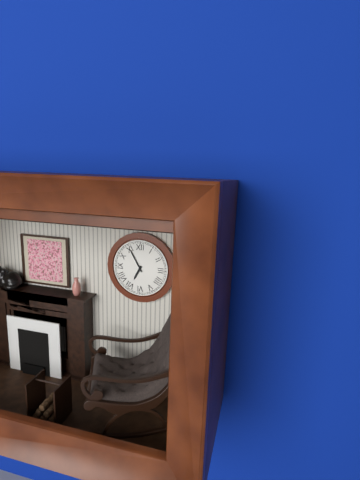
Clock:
{"hour": 6, "minute": 55}
